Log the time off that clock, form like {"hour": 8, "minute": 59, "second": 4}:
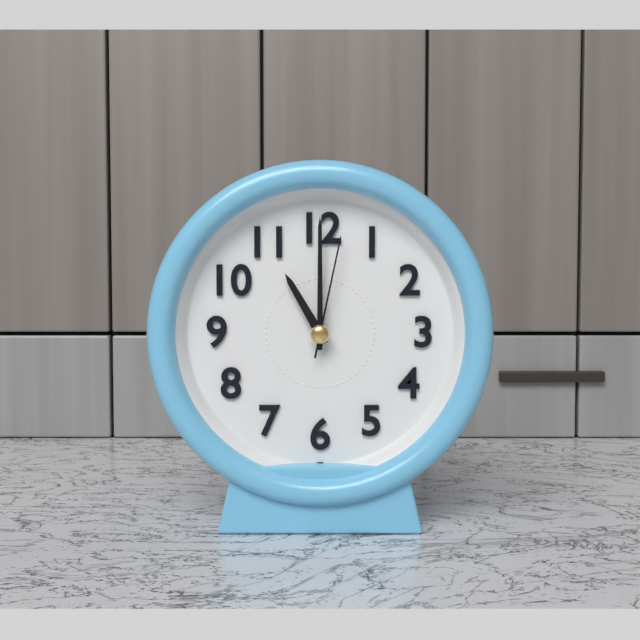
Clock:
{"hour": 11, "minute": 0, "second": 2}
